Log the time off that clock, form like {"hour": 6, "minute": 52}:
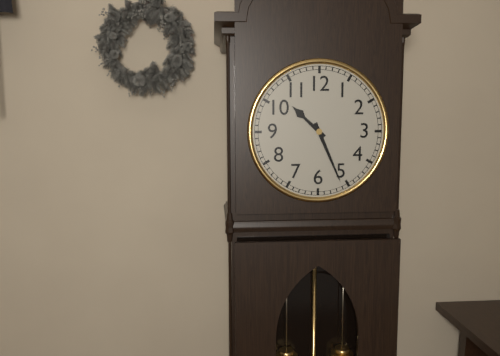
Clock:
{"hour": 10, "minute": 26}
